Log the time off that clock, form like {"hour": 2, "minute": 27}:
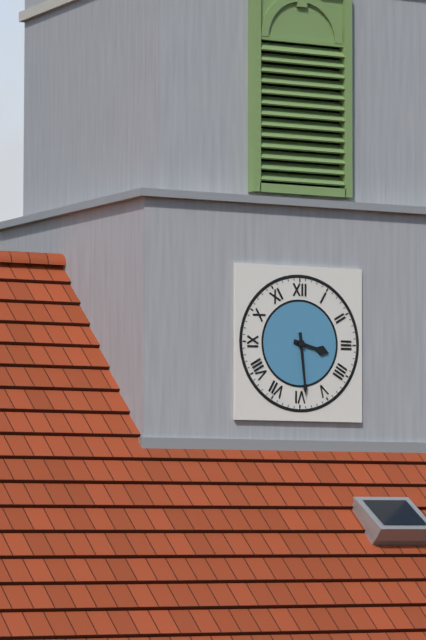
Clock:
{"hour": 3, "minute": 29}
